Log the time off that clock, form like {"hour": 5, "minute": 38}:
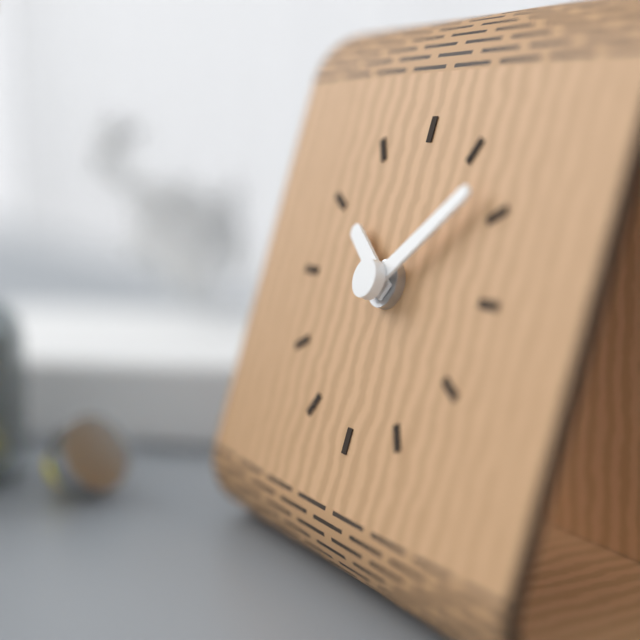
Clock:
{"hour": 10, "minute": 8}
